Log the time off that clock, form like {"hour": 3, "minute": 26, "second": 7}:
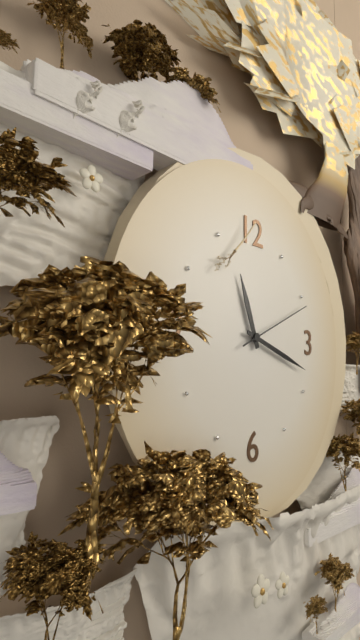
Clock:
{"hour": 11, "minute": 18, "second": 11}
